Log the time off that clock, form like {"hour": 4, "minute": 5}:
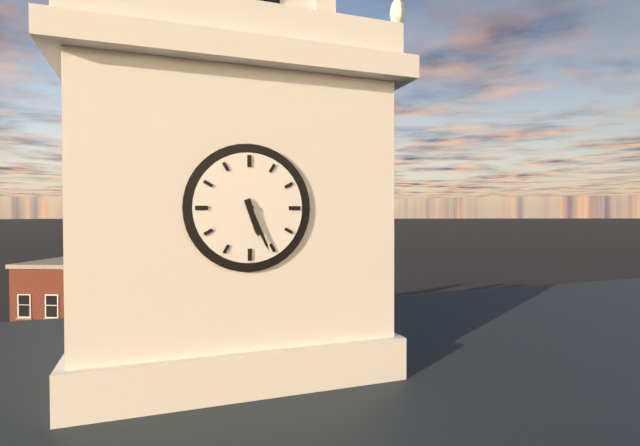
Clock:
{"hour": 5, "minute": 26}
